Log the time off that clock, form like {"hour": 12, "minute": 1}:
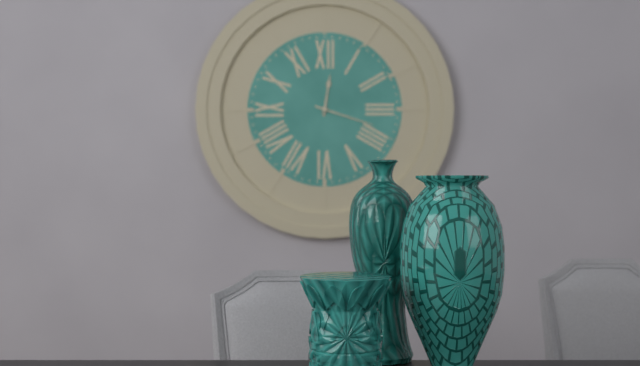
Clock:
{"hour": 12, "minute": 18}
